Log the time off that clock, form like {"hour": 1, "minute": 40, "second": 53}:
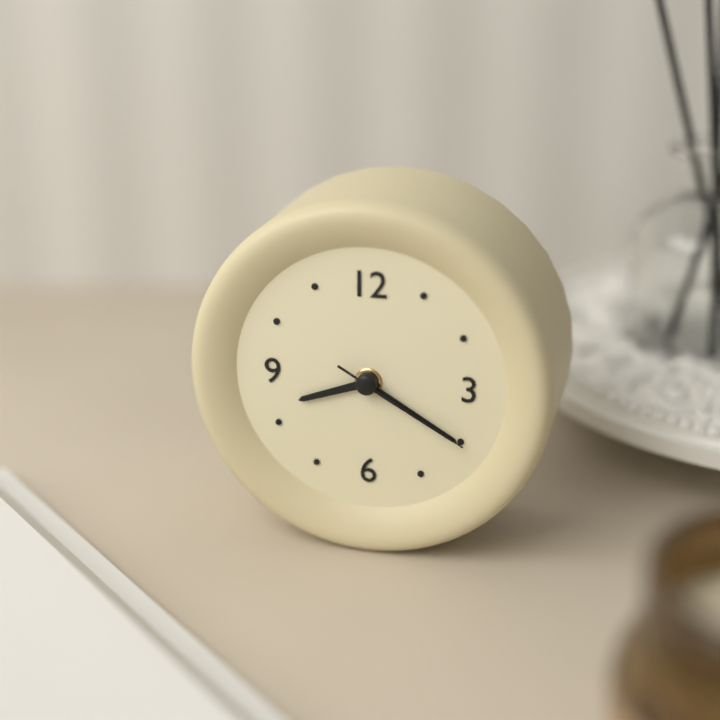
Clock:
{"hour": 8, "minute": 20, "second": 20}
